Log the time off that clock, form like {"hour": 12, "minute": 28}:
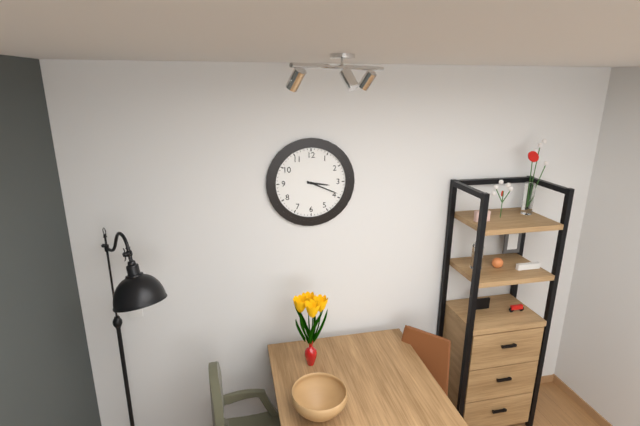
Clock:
{"hour": 3, "minute": 19}
